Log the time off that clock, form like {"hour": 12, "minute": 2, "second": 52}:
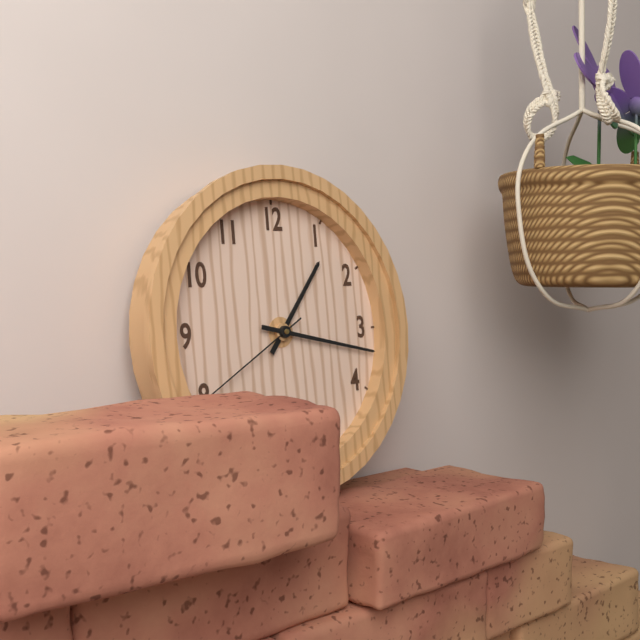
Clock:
{"hour": 1, "minute": 17, "second": 40}
